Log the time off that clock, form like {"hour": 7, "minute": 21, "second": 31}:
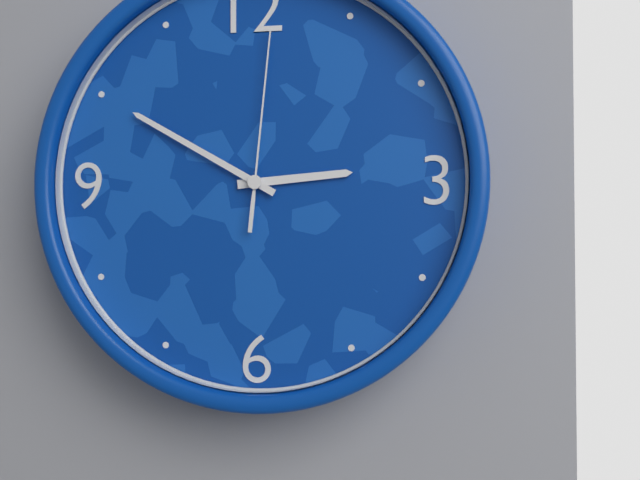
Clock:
{"hour": 2, "minute": 50, "second": 1}
